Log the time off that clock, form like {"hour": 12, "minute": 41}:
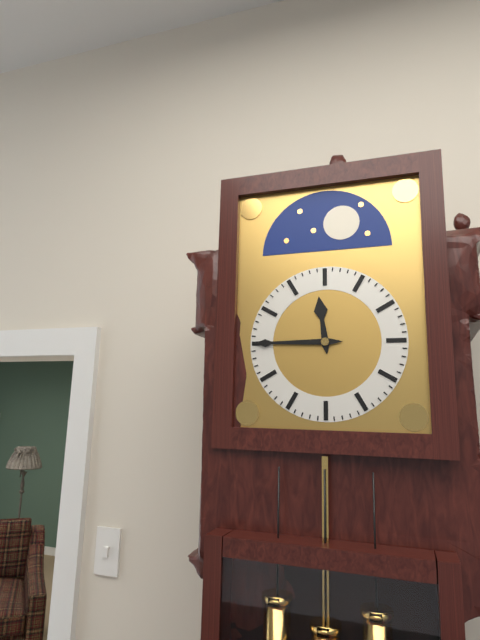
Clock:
{"hour": 11, "minute": 45}
